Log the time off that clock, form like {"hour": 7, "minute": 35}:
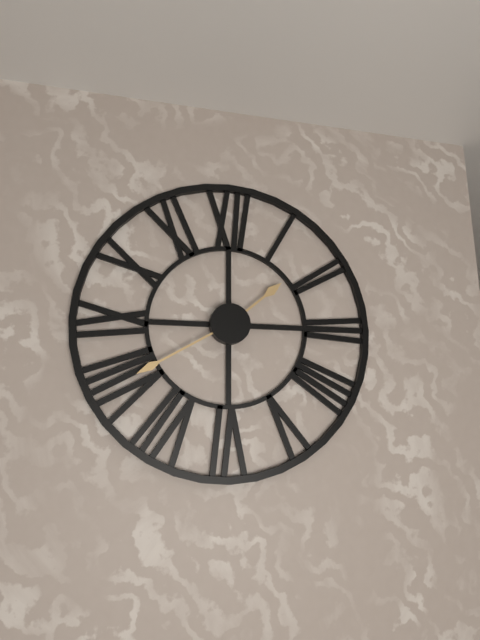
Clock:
{"hour": 1, "minute": 40}
